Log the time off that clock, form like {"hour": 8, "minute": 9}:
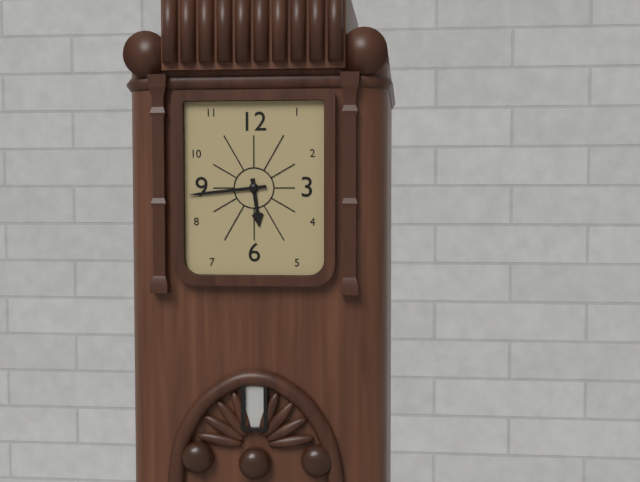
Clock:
{"hour": 5, "minute": 44}
